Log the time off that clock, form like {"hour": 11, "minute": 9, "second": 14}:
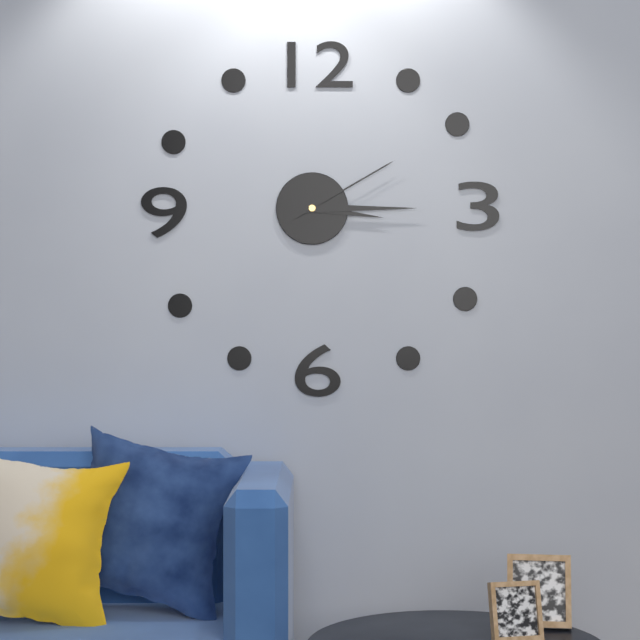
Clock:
{"hour": 3, "minute": 15, "second": 10}
